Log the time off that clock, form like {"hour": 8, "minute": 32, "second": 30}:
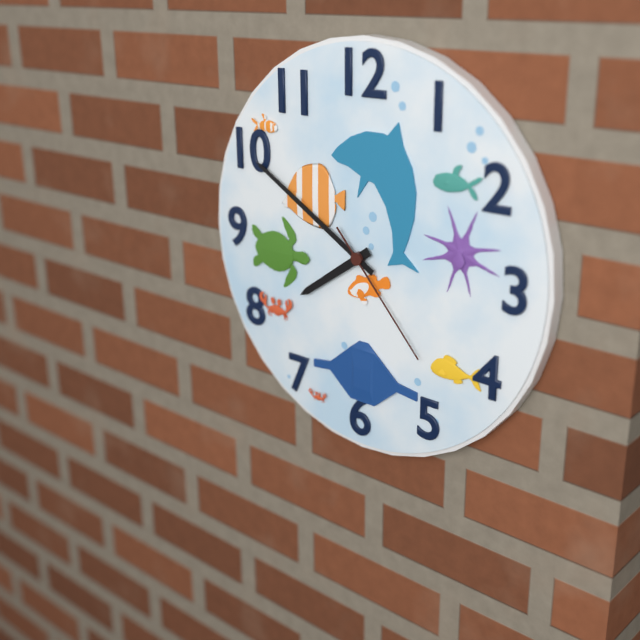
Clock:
{"hour": 7, "minute": 50, "second": 23}
